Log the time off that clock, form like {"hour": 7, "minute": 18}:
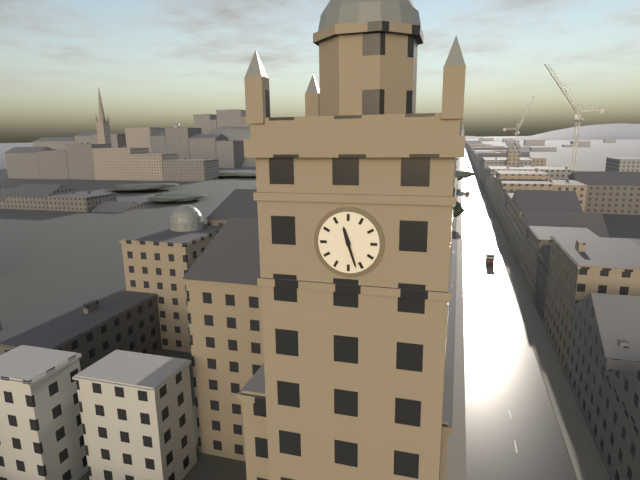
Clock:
{"hour": 11, "minute": 27}
